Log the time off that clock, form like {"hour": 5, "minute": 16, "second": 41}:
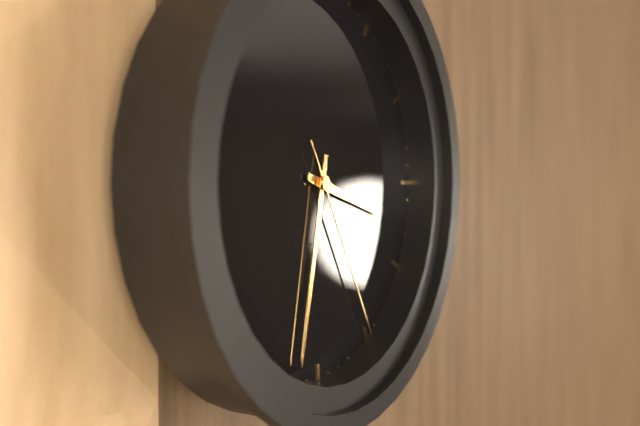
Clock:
{"hour": 3, "minute": 32, "second": 25}
